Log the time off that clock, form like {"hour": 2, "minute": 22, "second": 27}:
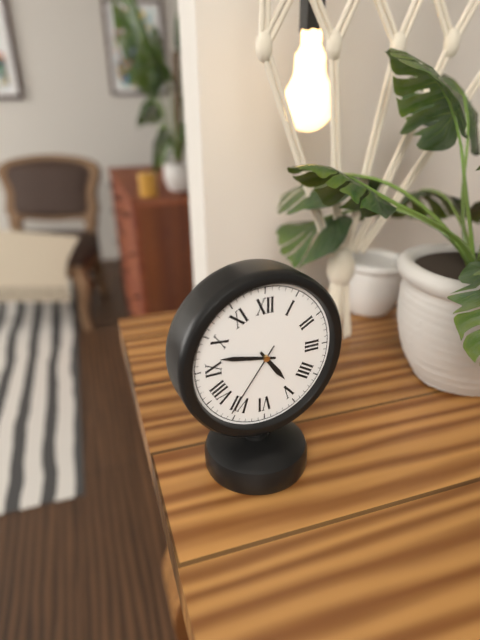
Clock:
{"hour": 4, "minute": 47, "second": 36}
